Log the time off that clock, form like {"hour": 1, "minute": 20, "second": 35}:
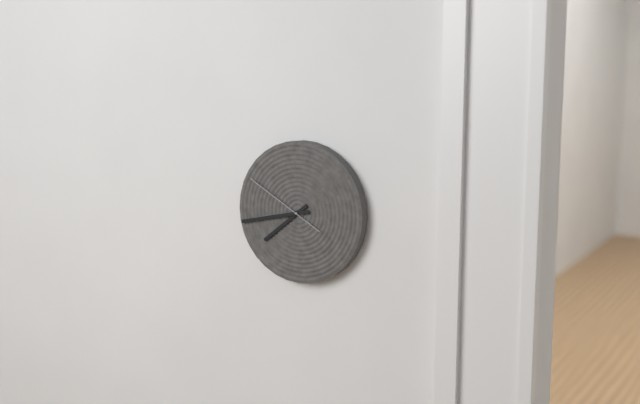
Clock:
{"hour": 7, "minute": 43, "second": 50}
